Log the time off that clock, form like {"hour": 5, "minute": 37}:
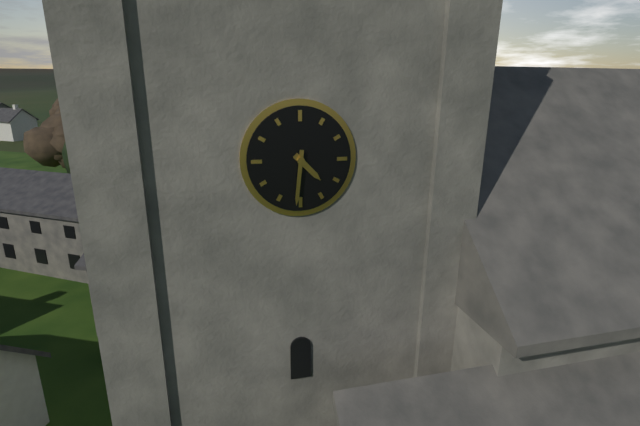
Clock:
{"hour": 4, "minute": 31}
